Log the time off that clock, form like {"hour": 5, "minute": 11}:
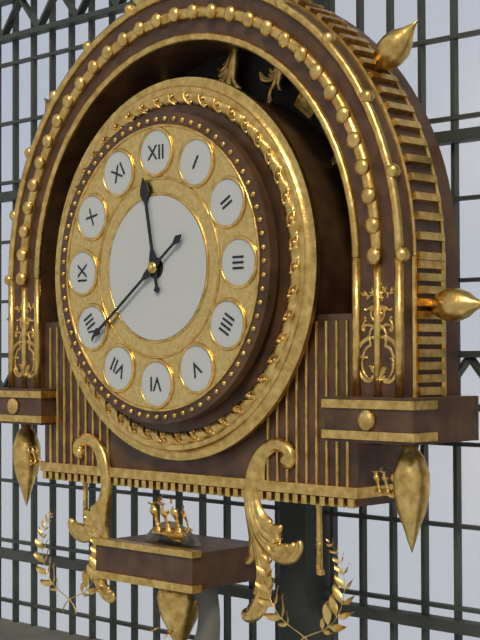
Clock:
{"hour": 11, "minute": 39}
